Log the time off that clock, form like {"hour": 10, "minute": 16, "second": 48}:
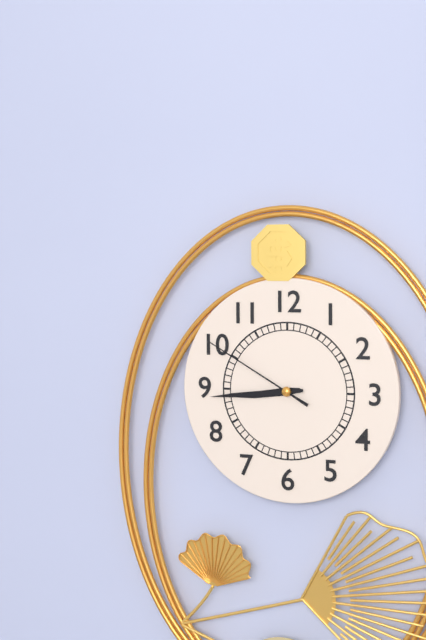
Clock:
{"hour": 8, "minute": 44, "second": 50}
